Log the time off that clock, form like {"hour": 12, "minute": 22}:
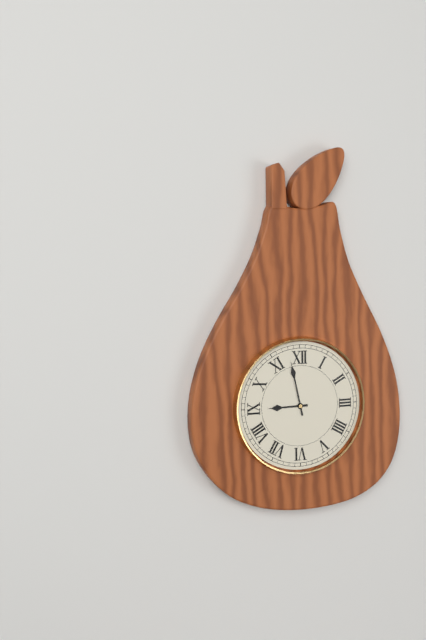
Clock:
{"hour": 8, "minute": 58}
